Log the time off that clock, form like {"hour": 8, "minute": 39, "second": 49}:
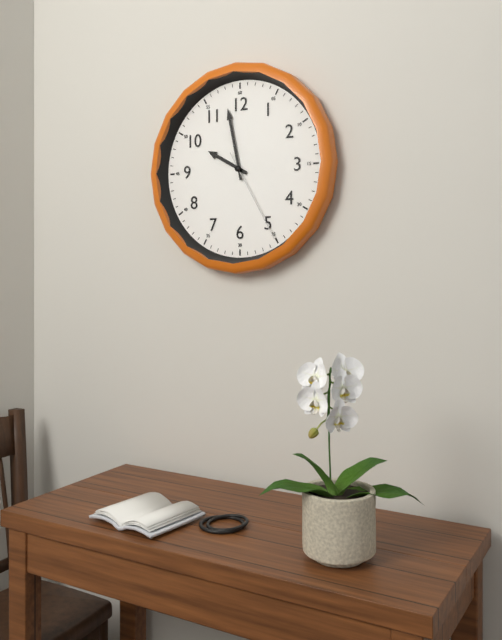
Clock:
{"hour": 9, "minute": 58, "second": 25}
